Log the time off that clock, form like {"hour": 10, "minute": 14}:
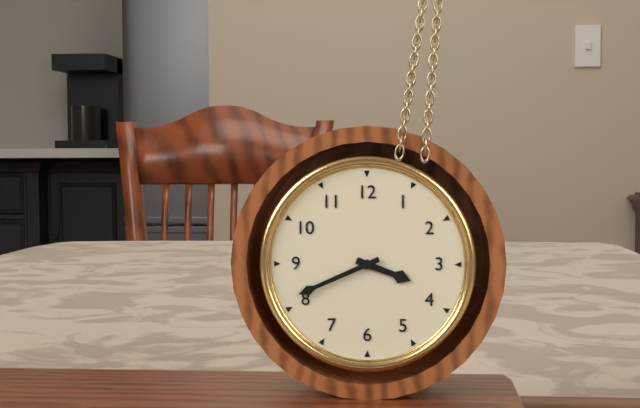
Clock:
{"hour": 3, "minute": 41}
